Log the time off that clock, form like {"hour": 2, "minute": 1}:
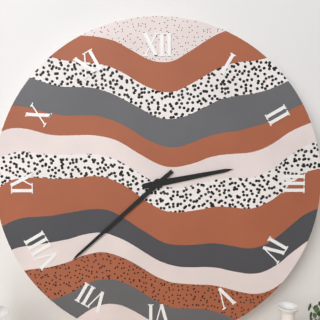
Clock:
{"hour": 2, "minute": 38}
